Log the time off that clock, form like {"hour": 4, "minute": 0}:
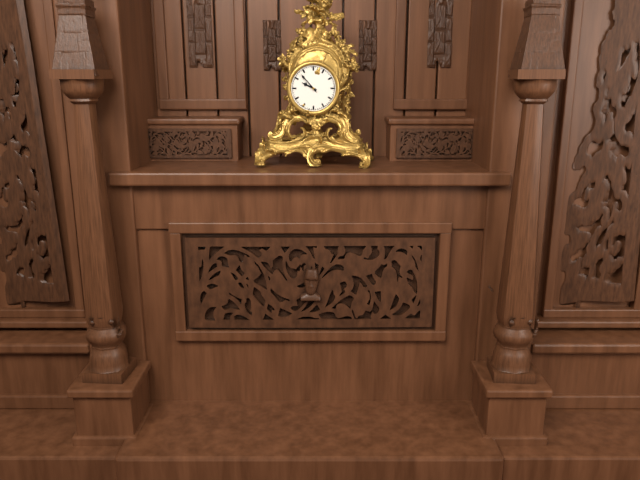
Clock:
{"hour": 9, "minute": 53}
